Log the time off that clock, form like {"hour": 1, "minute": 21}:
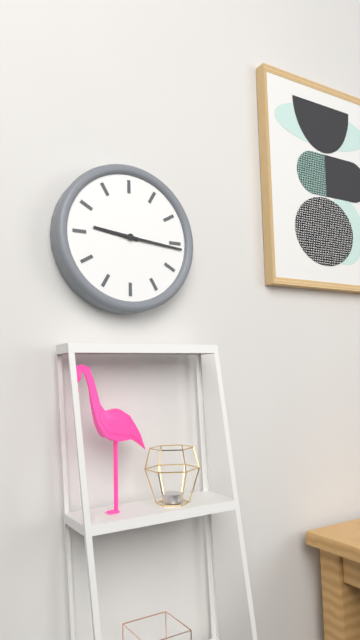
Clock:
{"hour": 9, "minute": 16}
